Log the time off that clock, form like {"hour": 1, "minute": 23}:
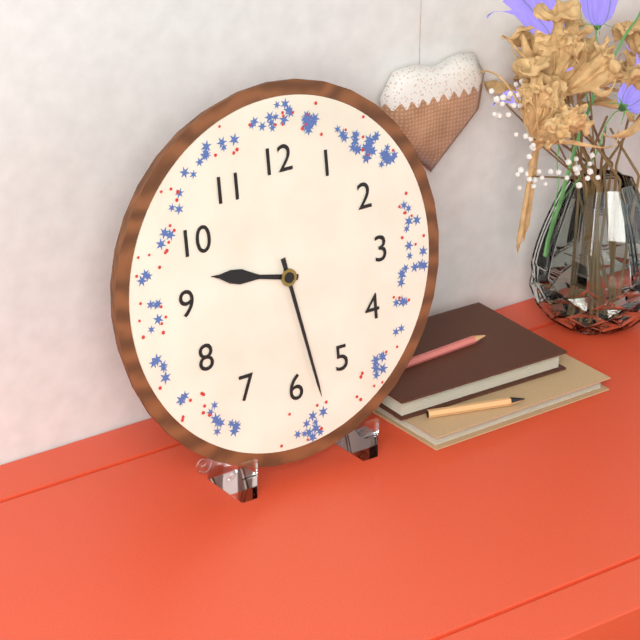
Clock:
{"hour": 9, "minute": 28}
